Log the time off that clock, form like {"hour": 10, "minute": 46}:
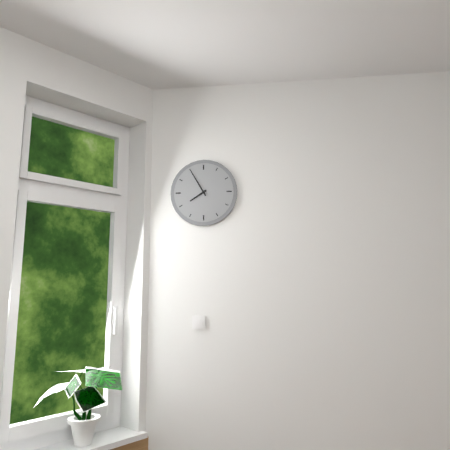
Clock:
{"hour": 7, "minute": 55}
